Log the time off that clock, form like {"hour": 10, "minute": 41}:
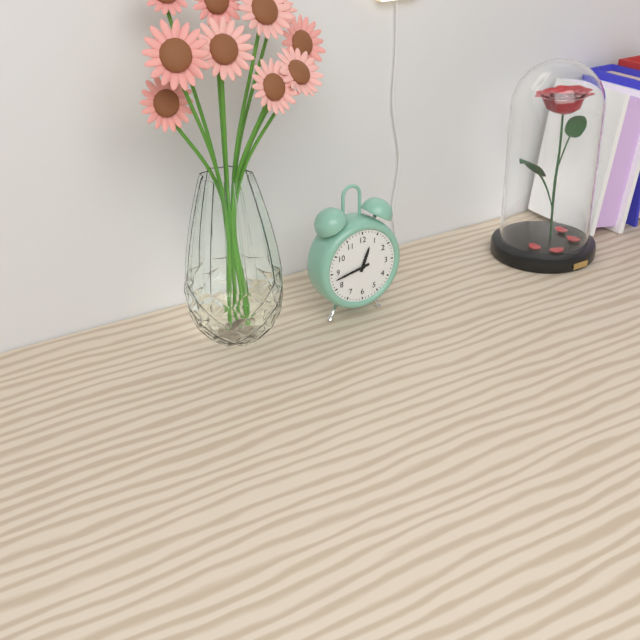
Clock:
{"hour": 12, "minute": 43}
